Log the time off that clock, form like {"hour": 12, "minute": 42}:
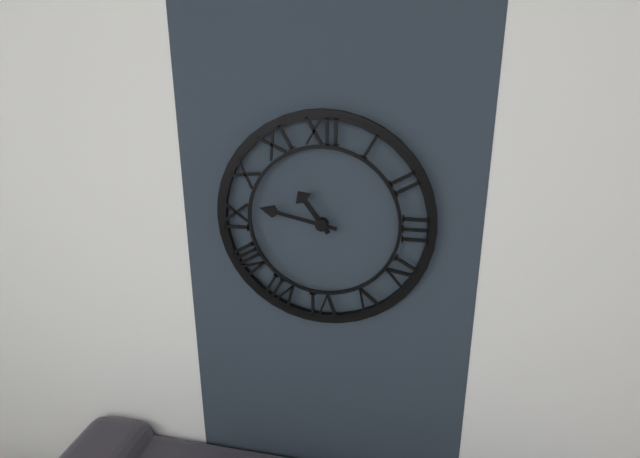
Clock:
{"hour": 10, "minute": 47}
